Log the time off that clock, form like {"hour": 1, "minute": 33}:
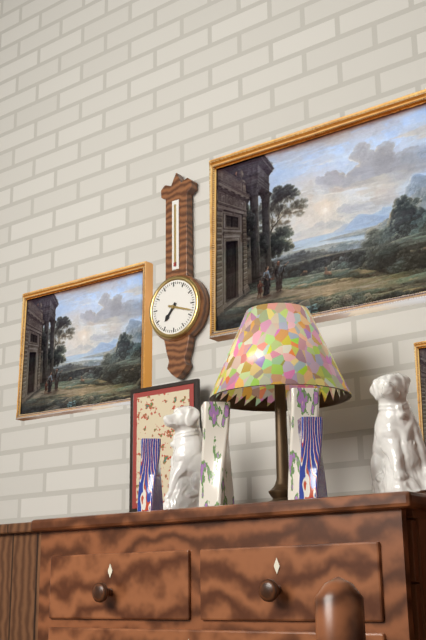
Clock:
{"hour": 7, "minute": 18}
